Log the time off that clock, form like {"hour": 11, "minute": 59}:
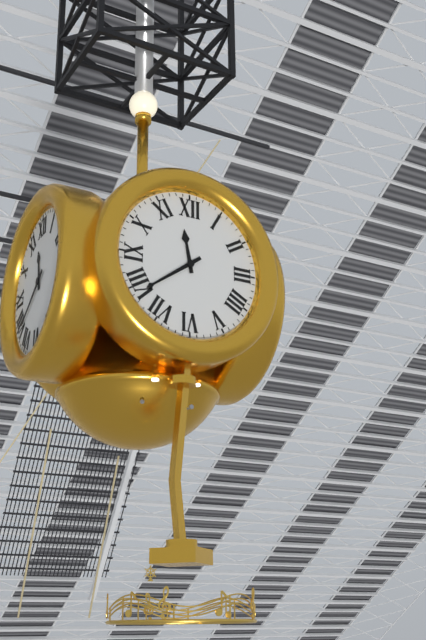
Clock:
{"hour": 11, "minute": 39}
